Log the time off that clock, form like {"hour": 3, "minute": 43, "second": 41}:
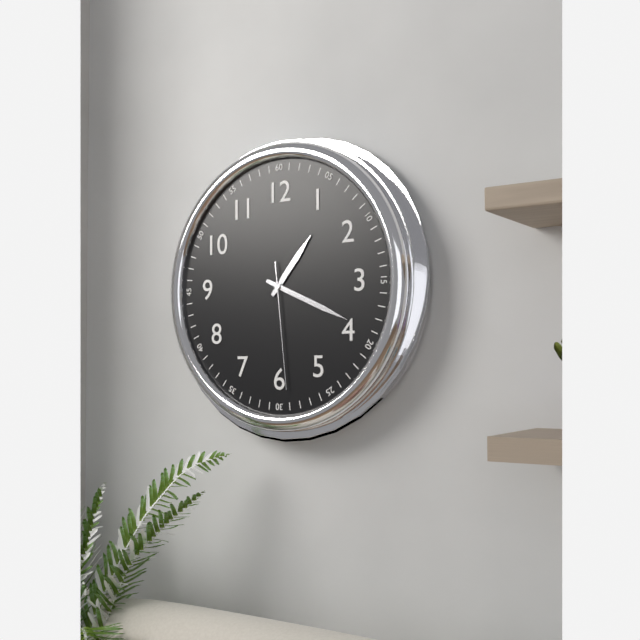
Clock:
{"hour": 1, "minute": 19, "second": 29}
